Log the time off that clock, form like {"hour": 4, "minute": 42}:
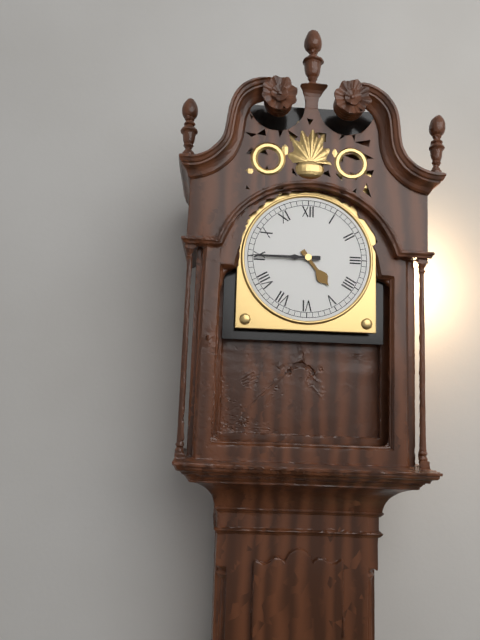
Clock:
{"hour": 4, "minute": 45}
